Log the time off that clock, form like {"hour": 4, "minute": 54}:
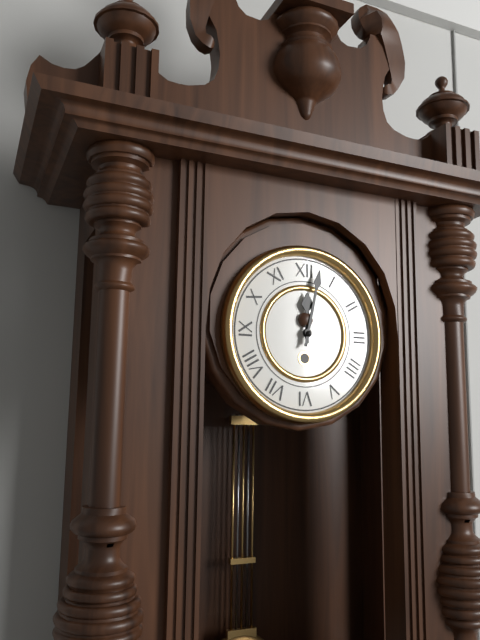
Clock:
{"hour": 12, "minute": 2}
